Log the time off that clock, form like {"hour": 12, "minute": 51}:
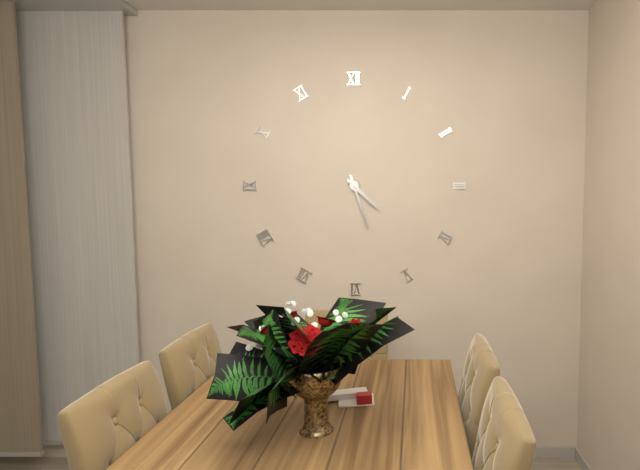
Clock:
{"hour": 4, "minute": 27}
